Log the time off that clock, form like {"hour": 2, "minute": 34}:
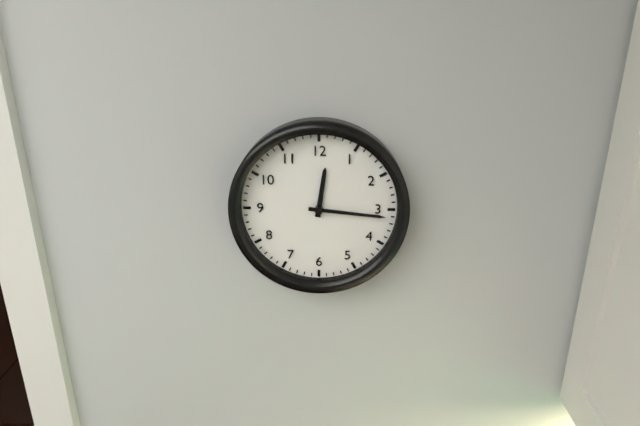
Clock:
{"hour": 12, "minute": 16}
